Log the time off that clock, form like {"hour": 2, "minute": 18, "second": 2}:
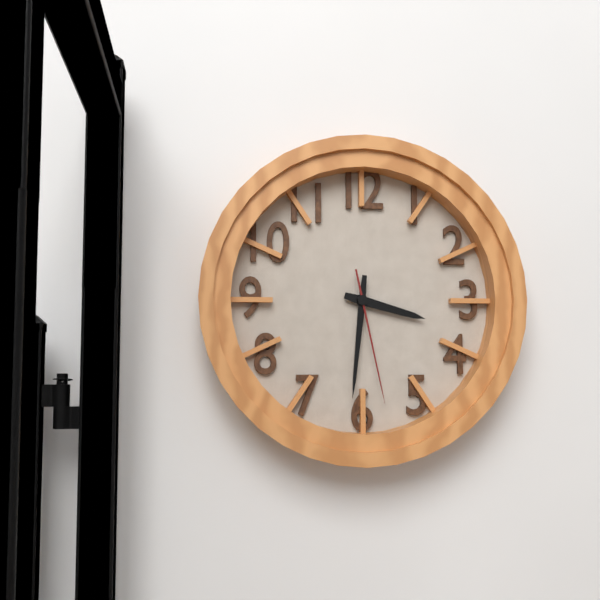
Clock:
{"hour": 3, "minute": 31, "second": 28}
